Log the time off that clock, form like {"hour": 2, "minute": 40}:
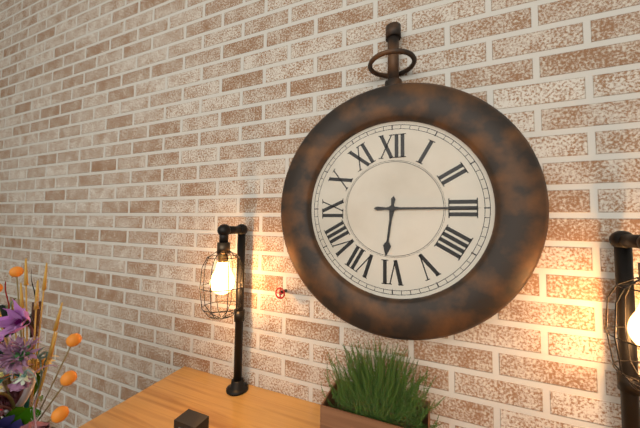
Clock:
{"hour": 6, "minute": 15}
